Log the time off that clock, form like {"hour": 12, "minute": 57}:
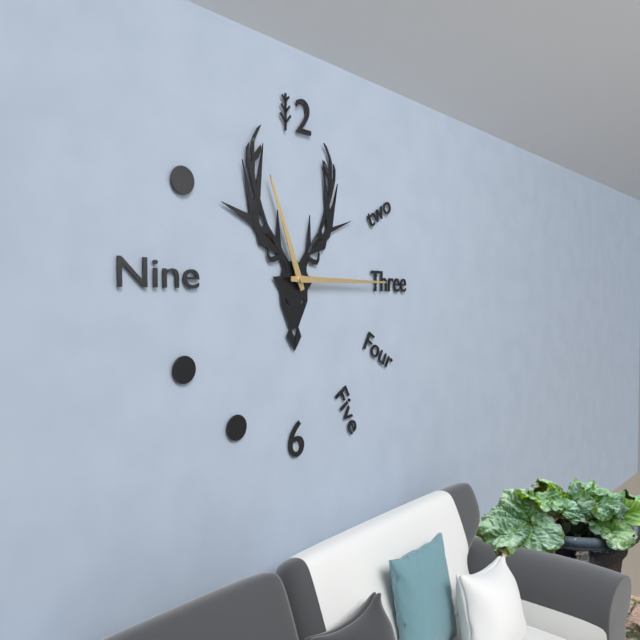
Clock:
{"hour": 11, "minute": 15}
